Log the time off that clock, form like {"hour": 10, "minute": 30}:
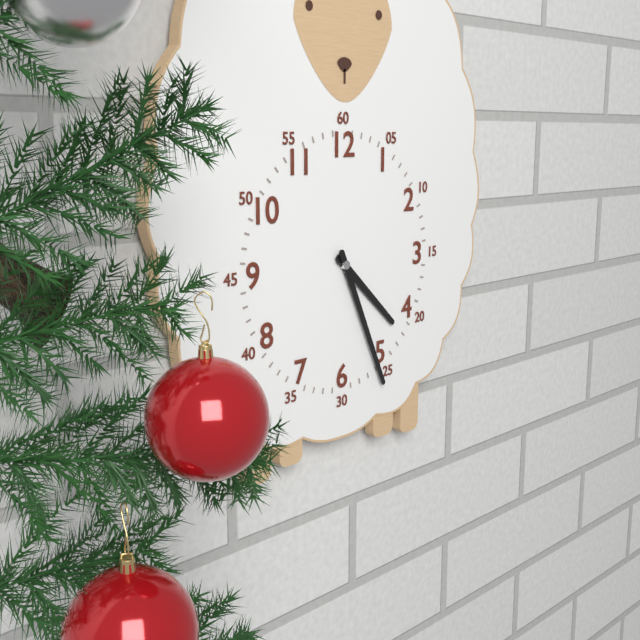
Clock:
{"hour": 4, "minute": 26}
